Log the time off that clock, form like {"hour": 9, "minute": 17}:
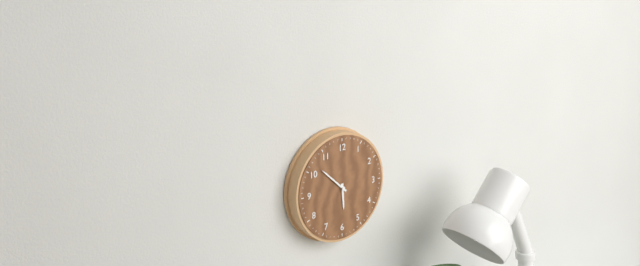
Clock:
{"hour": 5, "minute": 52}
